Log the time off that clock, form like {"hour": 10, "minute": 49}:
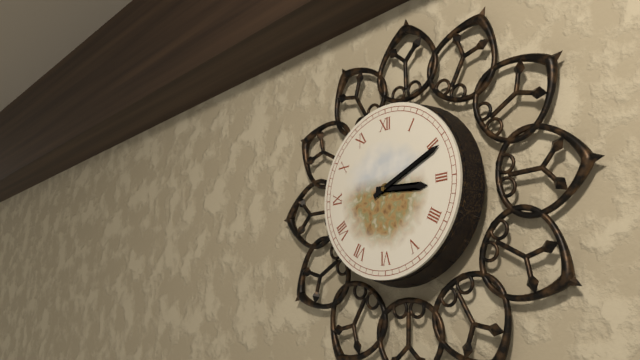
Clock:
{"hour": 3, "minute": 11}
